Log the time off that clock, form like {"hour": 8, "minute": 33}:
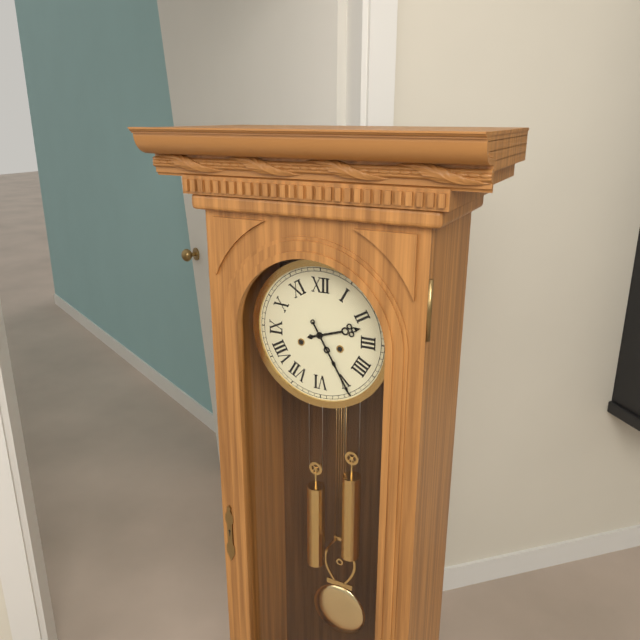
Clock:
{"hour": 2, "minute": 25}
